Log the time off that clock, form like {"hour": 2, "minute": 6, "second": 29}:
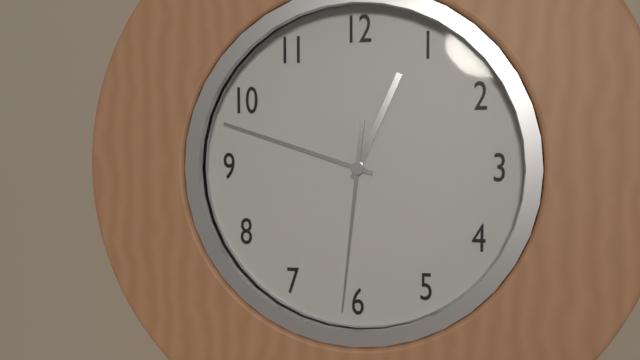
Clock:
{"hour": 12, "minute": 48, "second": 31}
